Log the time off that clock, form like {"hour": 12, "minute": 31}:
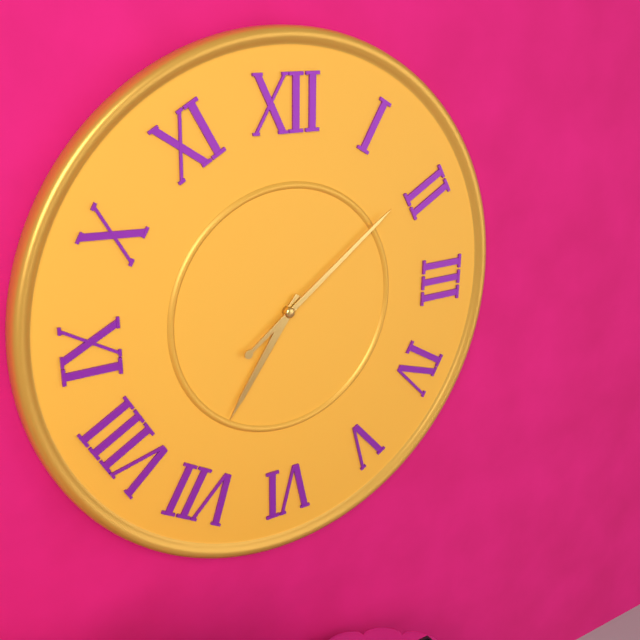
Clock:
{"hour": 7, "minute": 9}
